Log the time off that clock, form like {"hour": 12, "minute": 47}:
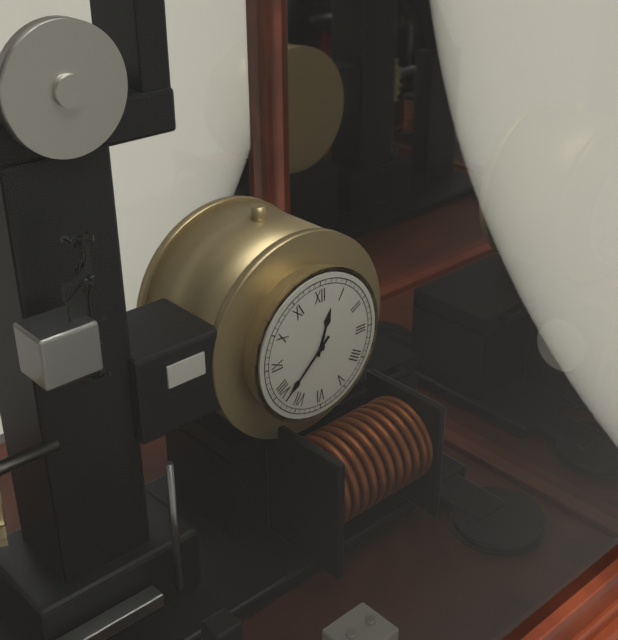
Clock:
{"hour": 12, "minute": 38}
